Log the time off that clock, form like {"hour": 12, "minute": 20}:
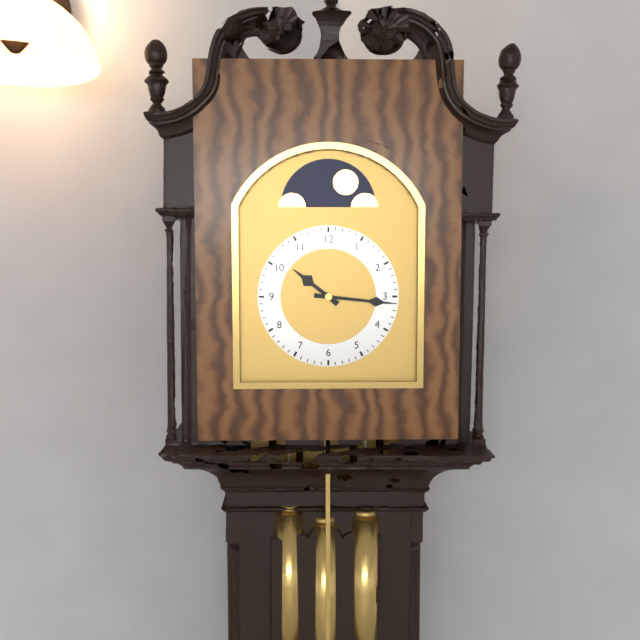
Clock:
{"hour": 10, "minute": 16}
